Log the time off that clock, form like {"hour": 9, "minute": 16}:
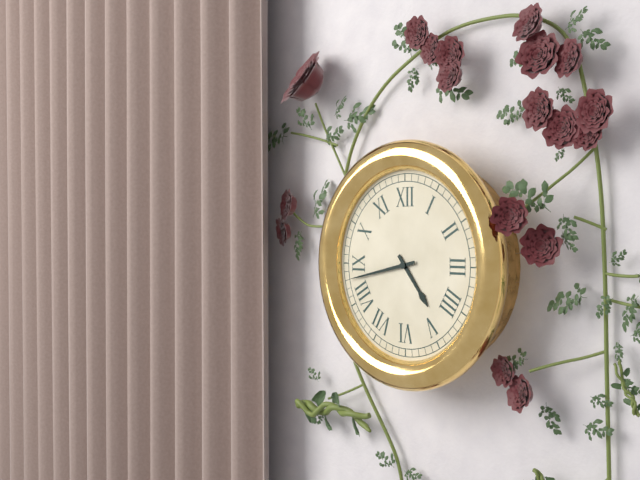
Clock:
{"hour": 4, "minute": 43}
